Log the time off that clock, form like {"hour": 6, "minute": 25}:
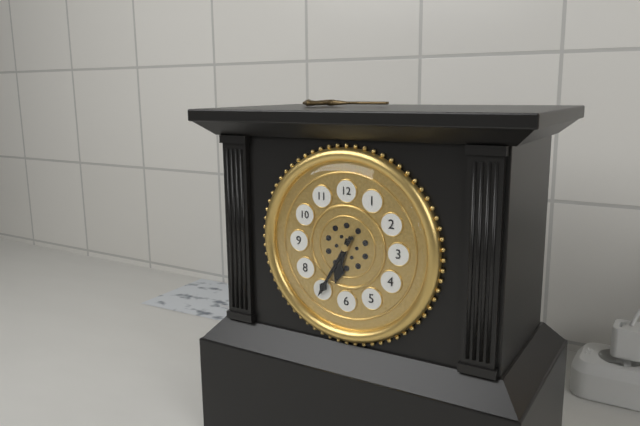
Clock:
{"hour": 6, "minute": 35}
